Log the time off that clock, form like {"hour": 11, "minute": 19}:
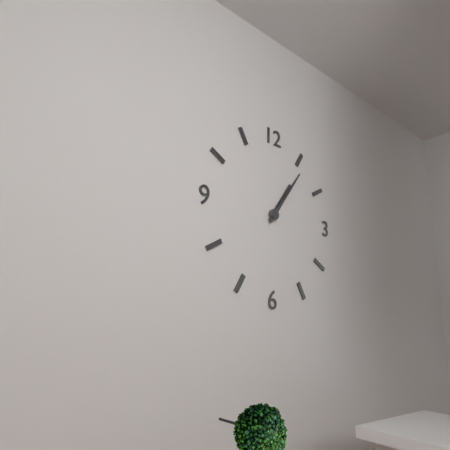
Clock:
{"hour": 1, "minute": 6}
